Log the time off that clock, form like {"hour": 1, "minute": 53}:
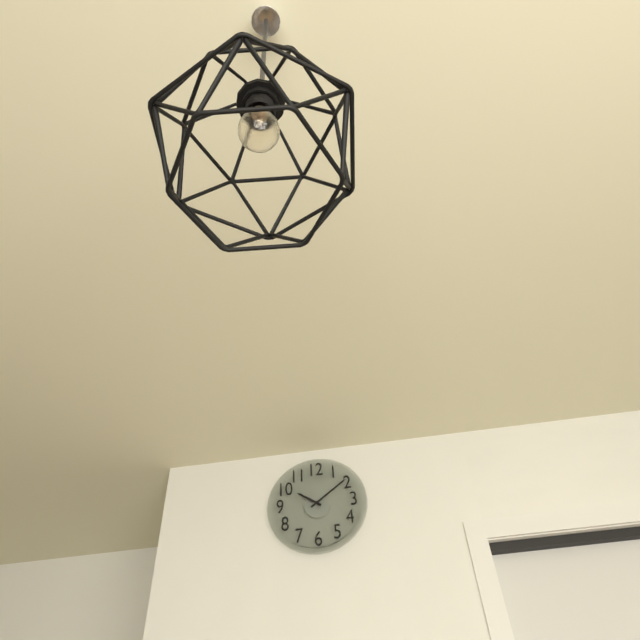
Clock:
{"hour": 10, "minute": 9}
